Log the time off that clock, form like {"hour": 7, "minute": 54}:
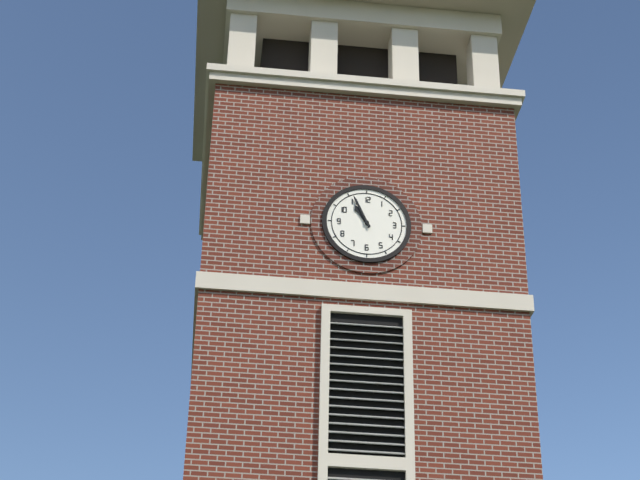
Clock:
{"hour": 10, "minute": 56}
